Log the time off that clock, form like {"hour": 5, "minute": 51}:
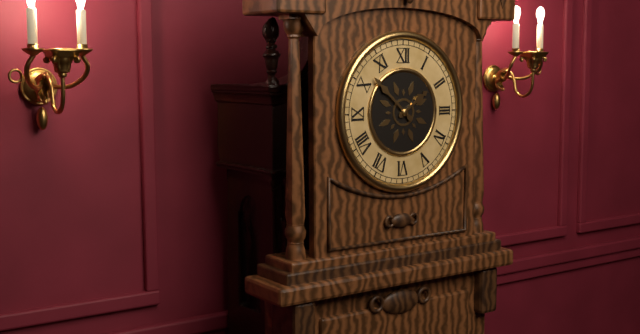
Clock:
{"hour": 1, "minute": 52}
